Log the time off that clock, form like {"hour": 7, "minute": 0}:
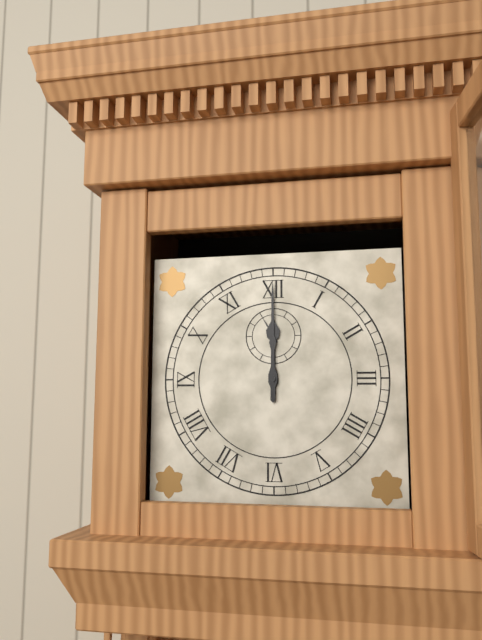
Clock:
{"hour": 12, "minute": 0}
